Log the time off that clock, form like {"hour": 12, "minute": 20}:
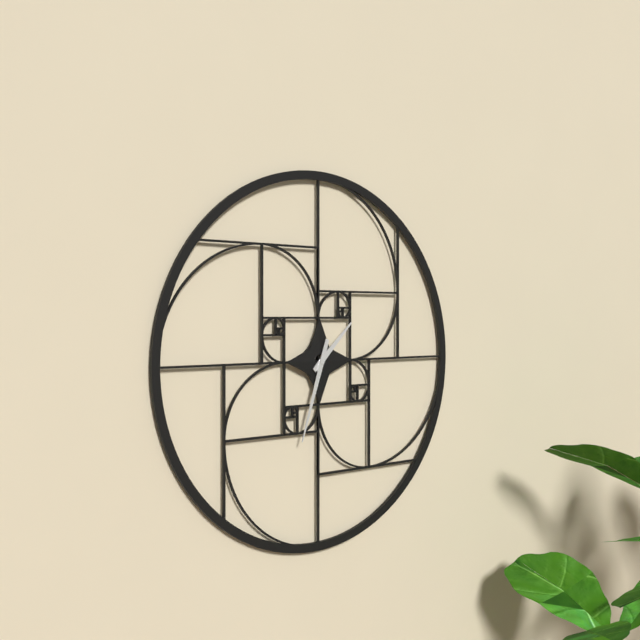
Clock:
{"hour": 1, "minute": 33}
